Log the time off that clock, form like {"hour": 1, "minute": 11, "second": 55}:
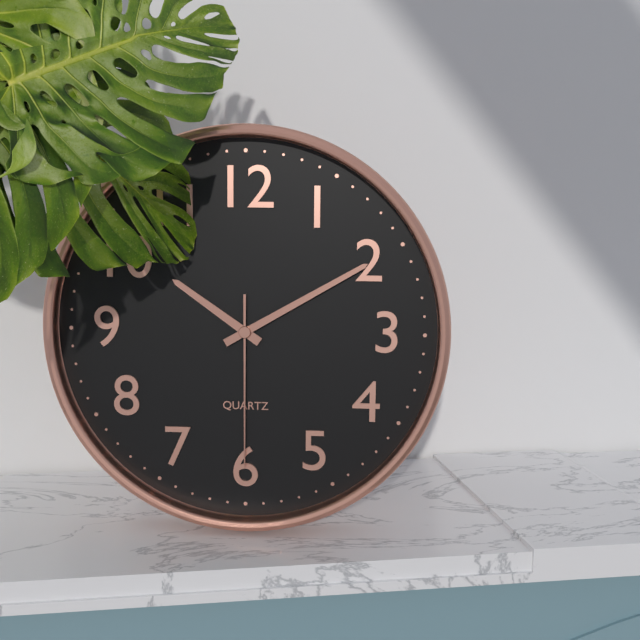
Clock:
{"hour": 10, "minute": 10, "second": 30}
